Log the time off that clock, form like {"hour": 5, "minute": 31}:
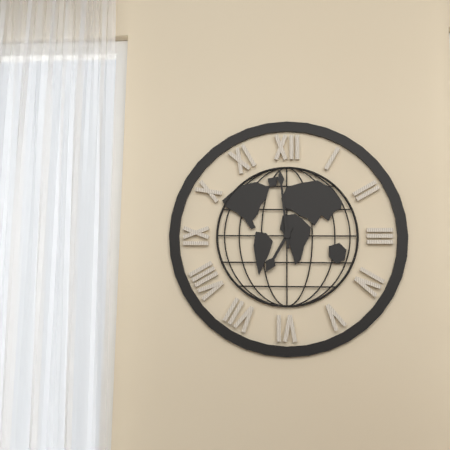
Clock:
{"hour": 6, "minute": 59}
